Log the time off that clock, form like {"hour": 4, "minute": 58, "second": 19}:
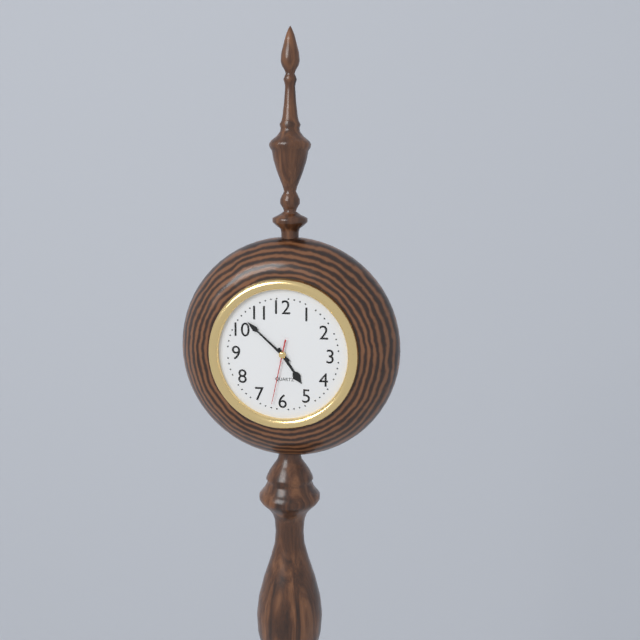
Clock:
{"hour": 4, "minute": 52, "second": 32}
